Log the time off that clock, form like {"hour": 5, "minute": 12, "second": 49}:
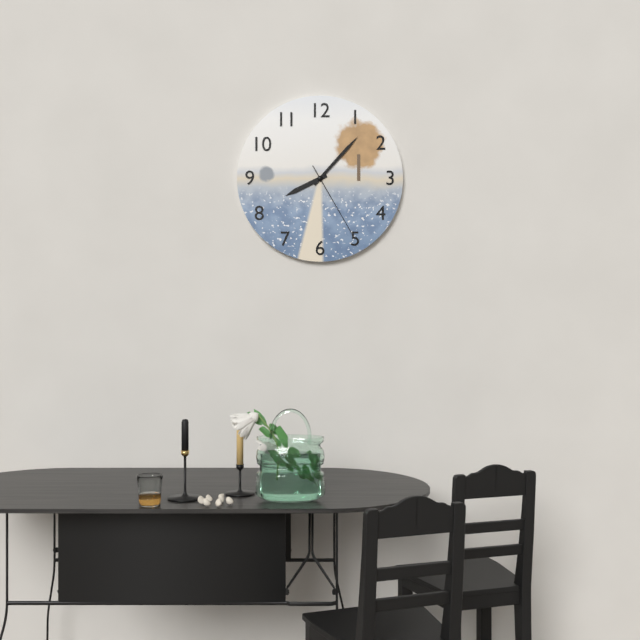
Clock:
{"hour": 8, "minute": 7, "second": 25}
